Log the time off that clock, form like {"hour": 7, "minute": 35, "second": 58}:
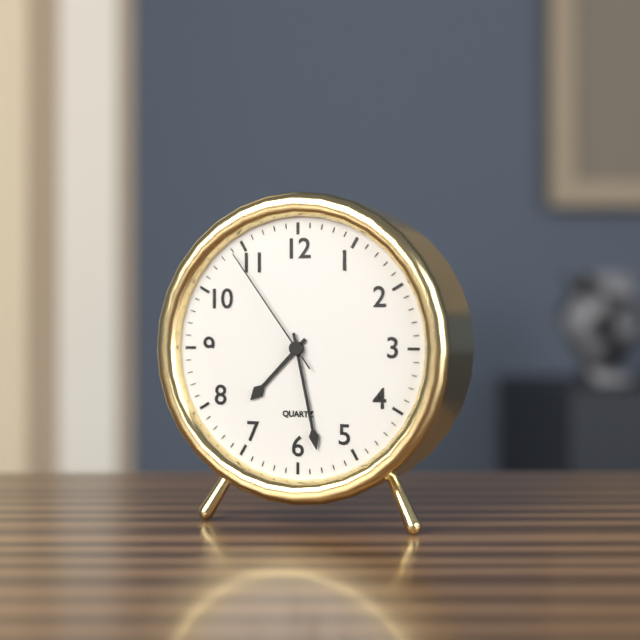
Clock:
{"hour": 7, "minute": 28, "second": 54}
